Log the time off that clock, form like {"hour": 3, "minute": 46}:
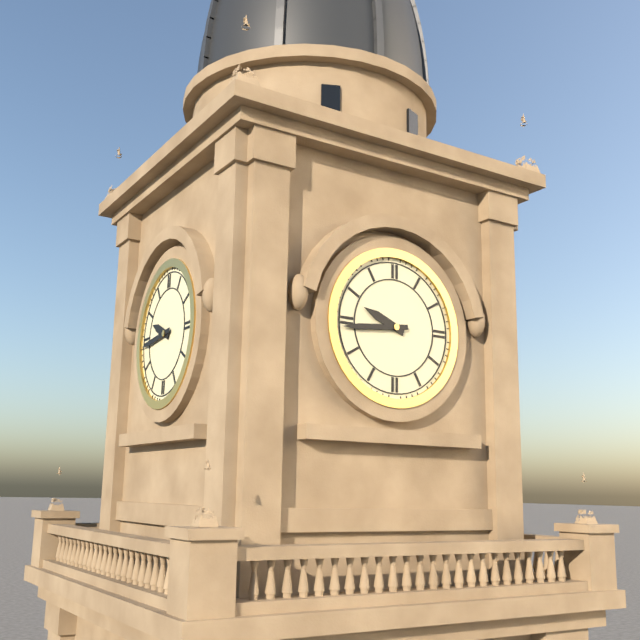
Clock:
{"hour": 9, "minute": 44}
